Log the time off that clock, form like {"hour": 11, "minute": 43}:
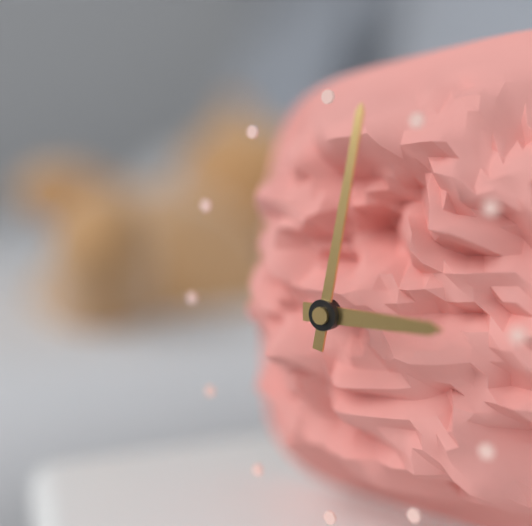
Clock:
{"hour": 3, "minute": 2}
